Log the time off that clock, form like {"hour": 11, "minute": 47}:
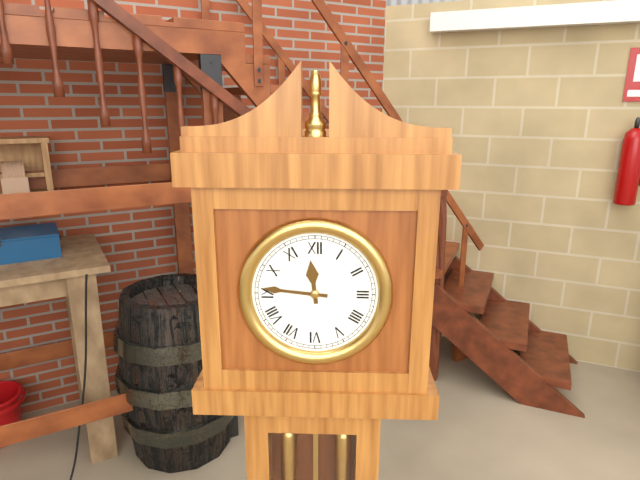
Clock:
{"hour": 11, "minute": 46}
